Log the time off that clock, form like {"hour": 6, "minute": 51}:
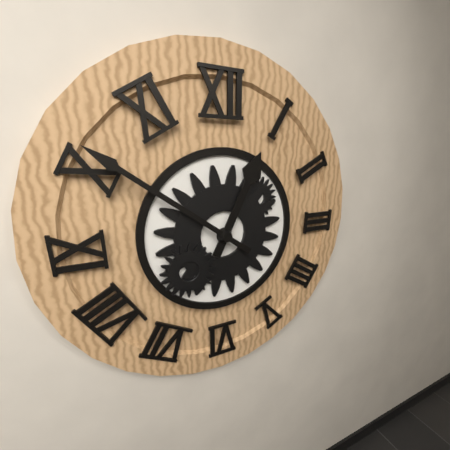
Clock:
{"hour": 12, "minute": 51}
